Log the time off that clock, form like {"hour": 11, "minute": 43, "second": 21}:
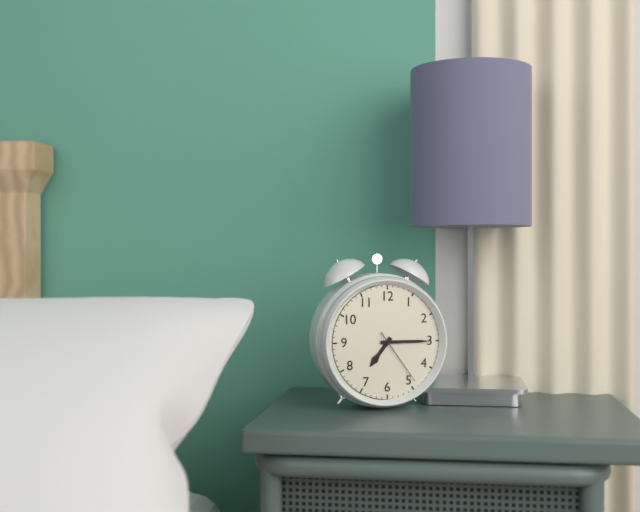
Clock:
{"hour": 7, "minute": 15, "second": 24}
